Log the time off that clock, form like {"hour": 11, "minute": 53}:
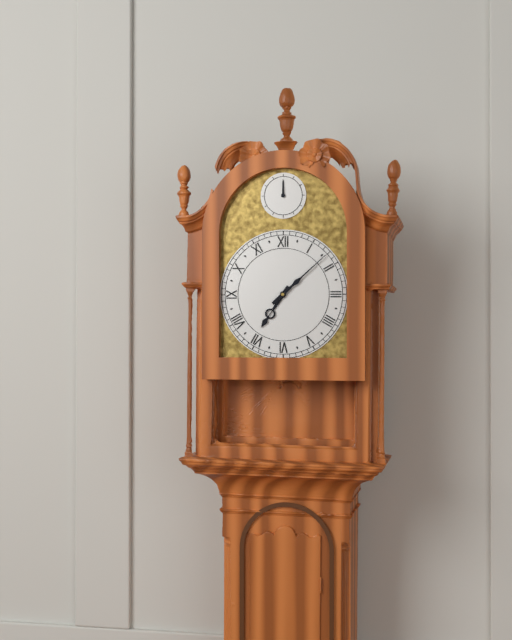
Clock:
{"hour": 7, "minute": 8}
